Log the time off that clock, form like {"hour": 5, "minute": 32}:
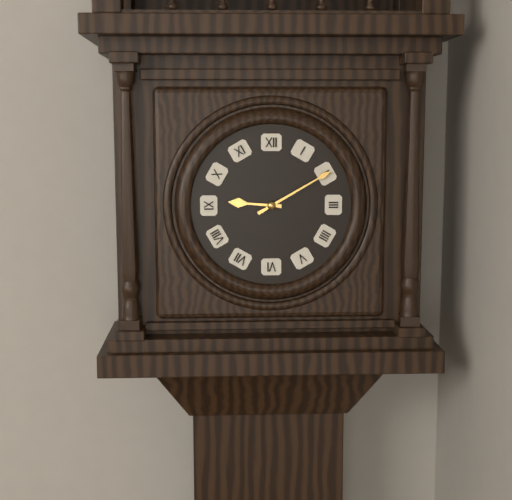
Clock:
{"hour": 9, "minute": 10}
